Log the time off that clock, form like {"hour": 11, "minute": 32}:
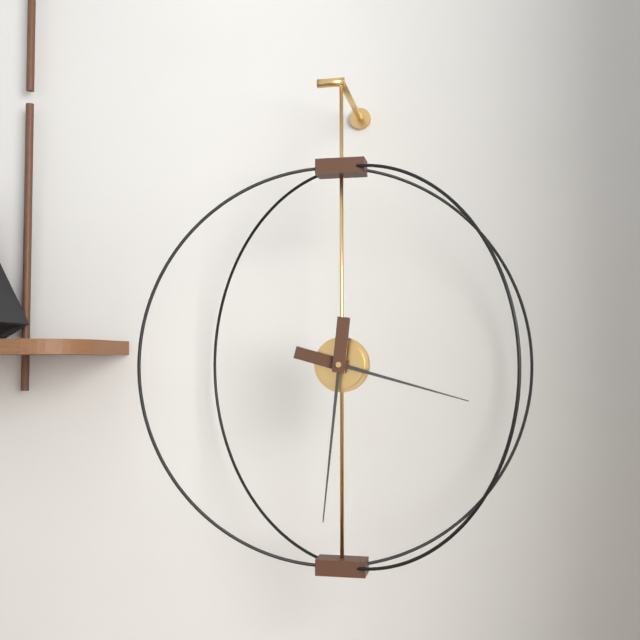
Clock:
{"hour": 3, "minute": 31}
